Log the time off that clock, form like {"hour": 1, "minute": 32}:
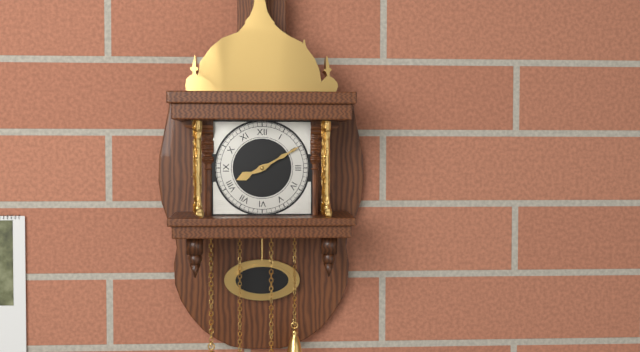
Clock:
{"hour": 8, "minute": 10}
